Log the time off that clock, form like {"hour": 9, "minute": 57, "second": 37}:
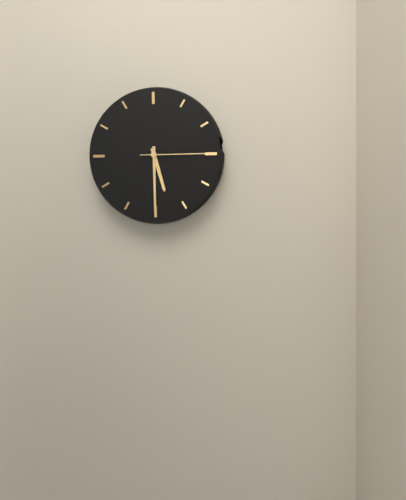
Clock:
{"hour": 5, "minute": 30, "second": 15}
